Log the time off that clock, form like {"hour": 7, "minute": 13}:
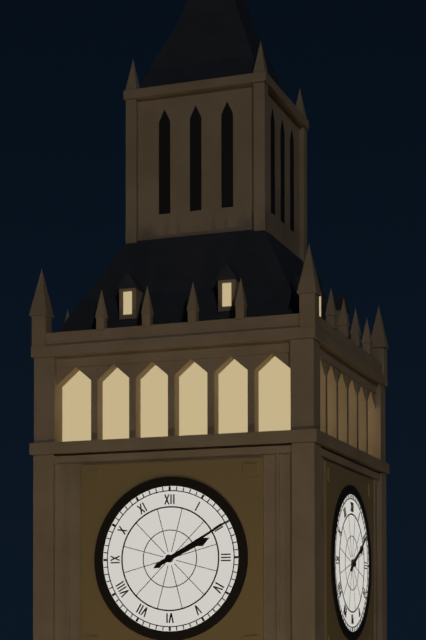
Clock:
{"hour": 2, "minute": 10}
